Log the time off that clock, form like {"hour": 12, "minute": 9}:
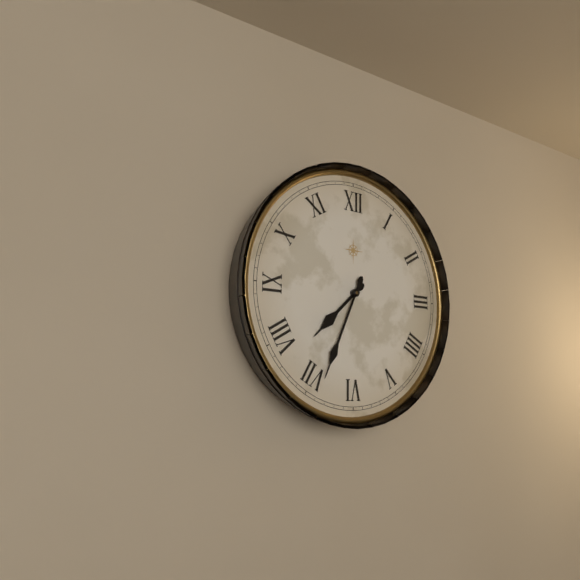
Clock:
{"hour": 7, "minute": 34}
